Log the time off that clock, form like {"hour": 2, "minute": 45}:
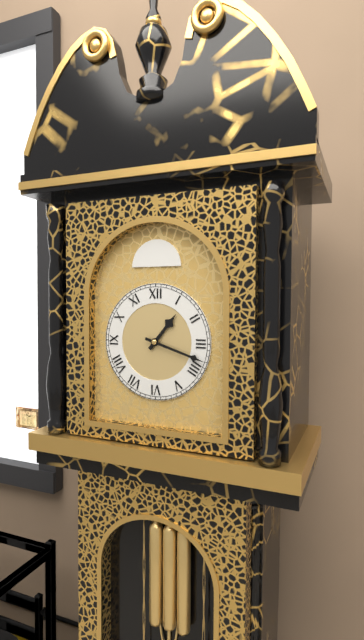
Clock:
{"hour": 1, "minute": 18}
